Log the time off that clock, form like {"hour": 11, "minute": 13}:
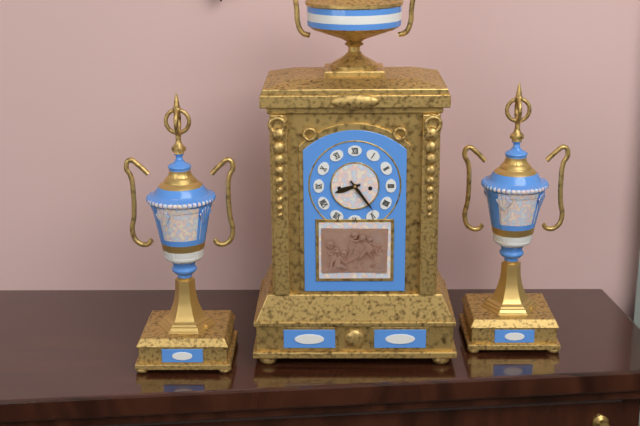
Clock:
{"hour": 8, "minute": 24}
